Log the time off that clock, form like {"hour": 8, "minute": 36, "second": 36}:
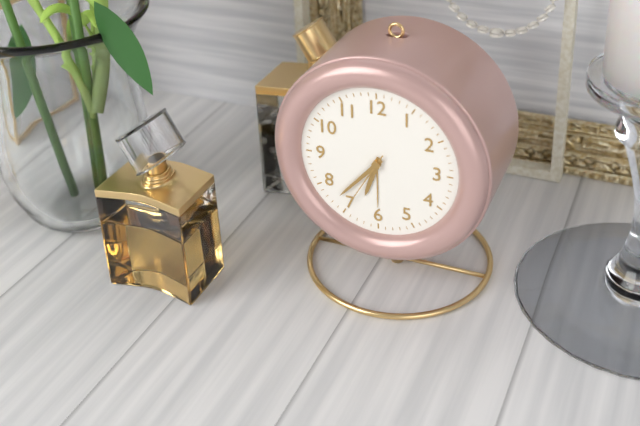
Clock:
{"hour": 6, "minute": 37, "second": 35}
